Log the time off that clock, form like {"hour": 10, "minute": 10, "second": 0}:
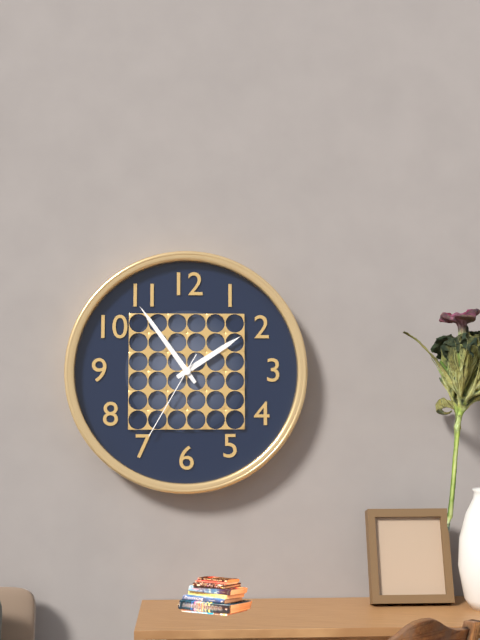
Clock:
{"hour": 1, "minute": 54, "second": 35}
